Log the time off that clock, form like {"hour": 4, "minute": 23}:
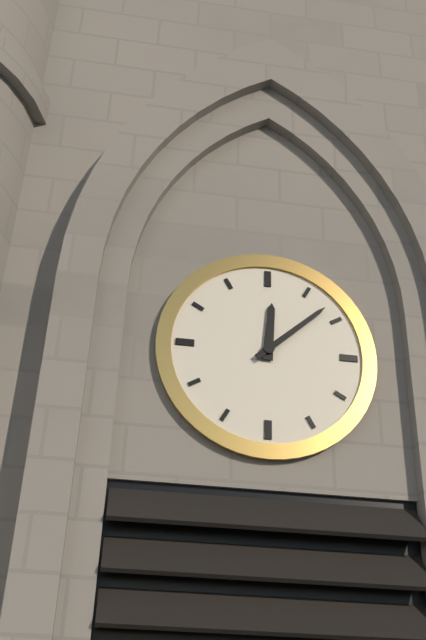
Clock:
{"hour": 12, "minute": 8}
